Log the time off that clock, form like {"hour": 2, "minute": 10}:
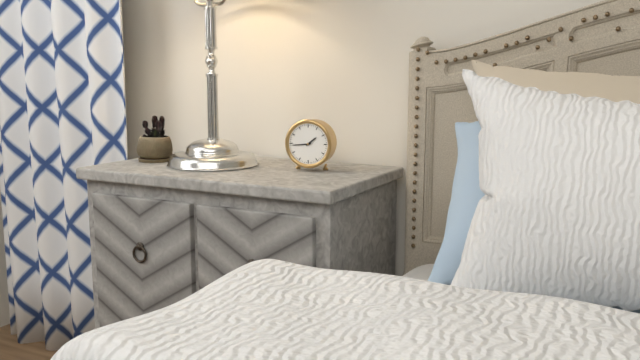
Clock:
{"hour": 1, "minute": 44}
